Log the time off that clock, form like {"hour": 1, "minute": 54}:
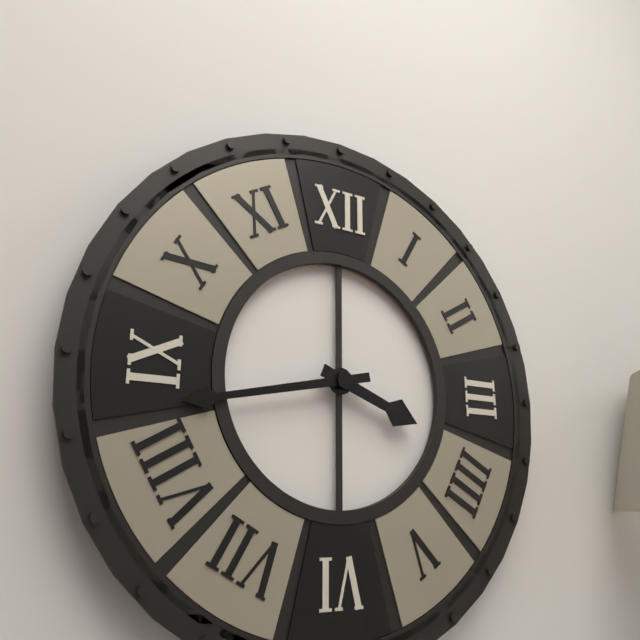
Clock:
{"hour": 3, "minute": 43}
